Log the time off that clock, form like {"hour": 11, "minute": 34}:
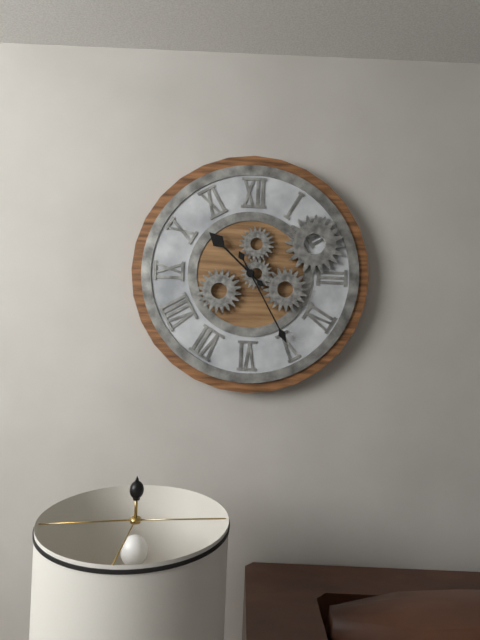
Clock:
{"hour": 10, "minute": 25}
